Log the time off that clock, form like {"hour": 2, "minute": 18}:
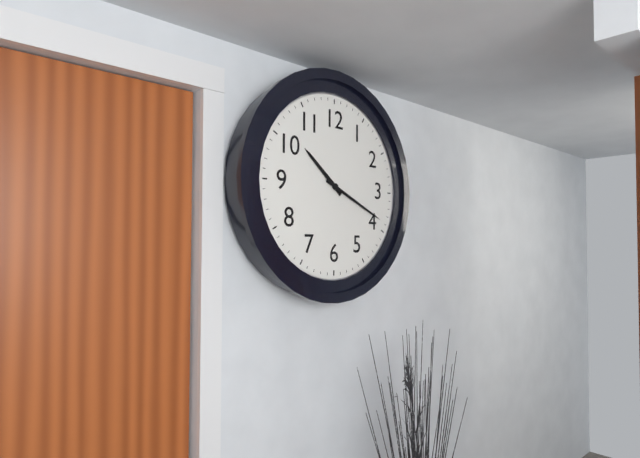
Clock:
{"hour": 10, "minute": 19}
